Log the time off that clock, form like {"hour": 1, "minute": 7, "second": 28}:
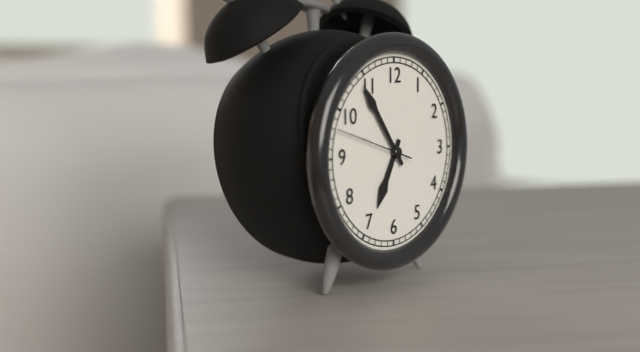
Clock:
{"hour": 6, "minute": 54, "second": 48}
